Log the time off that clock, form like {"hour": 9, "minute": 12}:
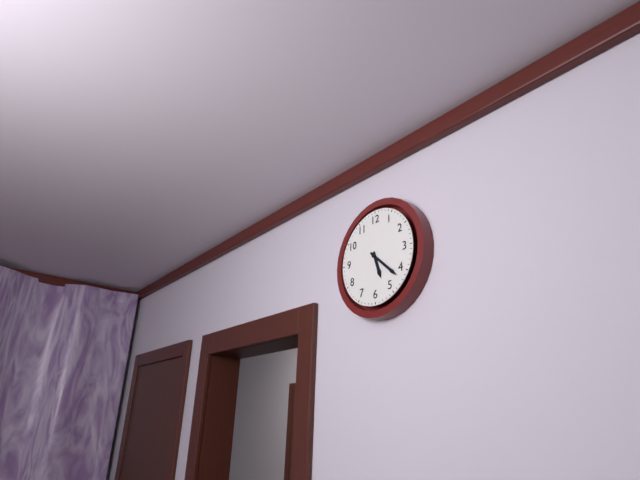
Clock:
{"hour": 5, "minute": 22}
